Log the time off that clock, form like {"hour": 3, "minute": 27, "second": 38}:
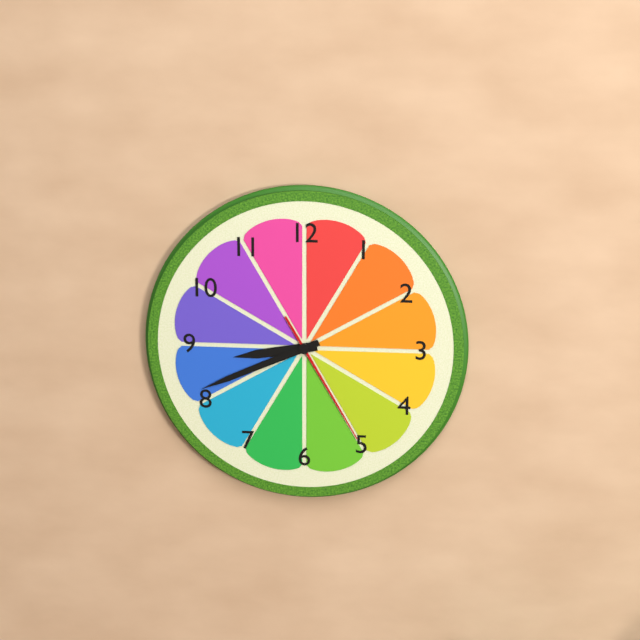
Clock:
{"hour": 8, "minute": 41, "second": 25}
